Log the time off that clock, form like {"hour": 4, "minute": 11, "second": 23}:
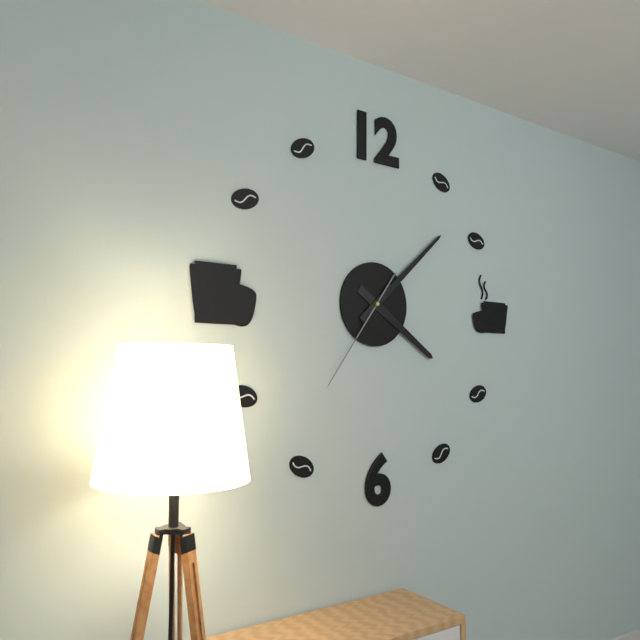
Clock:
{"hour": 4, "minute": 8, "second": 36}
